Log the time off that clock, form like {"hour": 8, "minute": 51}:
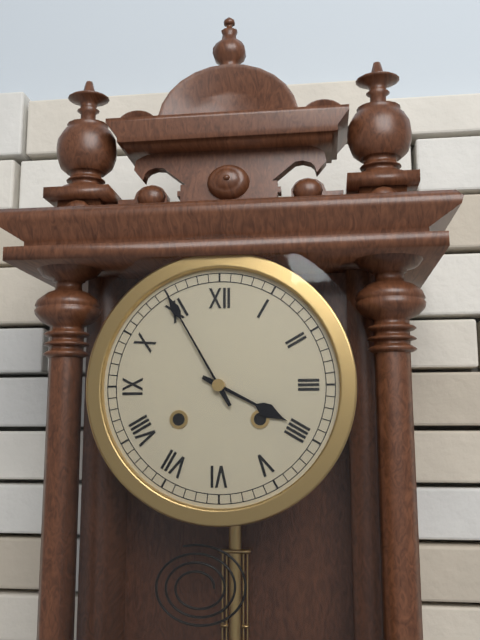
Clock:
{"hour": 3, "minute": 55}
